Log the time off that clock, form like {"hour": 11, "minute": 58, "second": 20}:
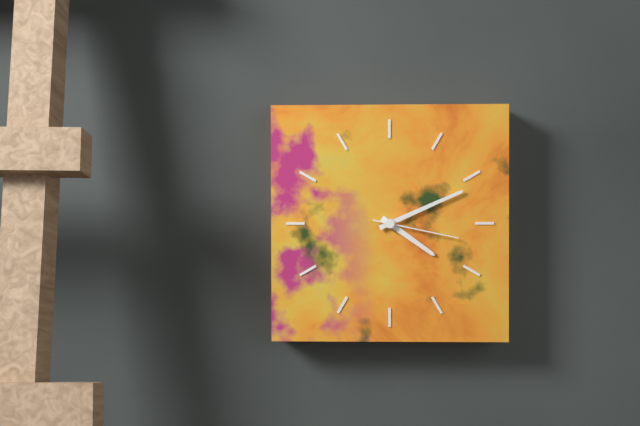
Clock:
{"hour": 4, "minute": 11, "second": 17}
